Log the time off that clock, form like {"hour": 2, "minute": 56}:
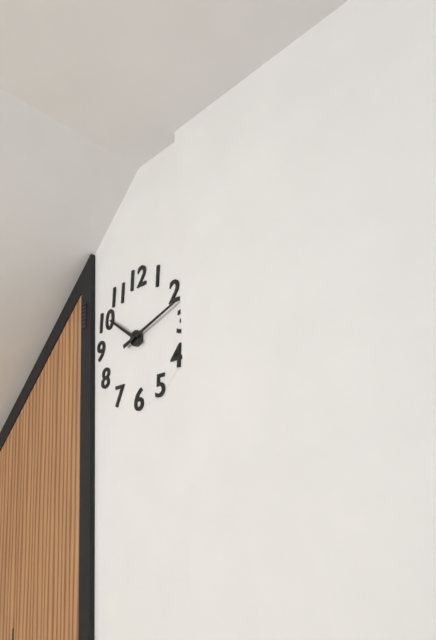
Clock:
{"hour": 10, "minute": 12}
